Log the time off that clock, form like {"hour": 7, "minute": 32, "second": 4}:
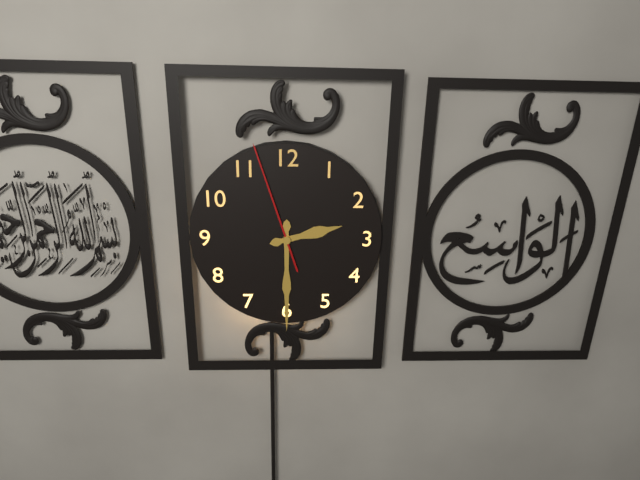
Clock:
{"hour": 2, "minute": 30, "second": 57}
